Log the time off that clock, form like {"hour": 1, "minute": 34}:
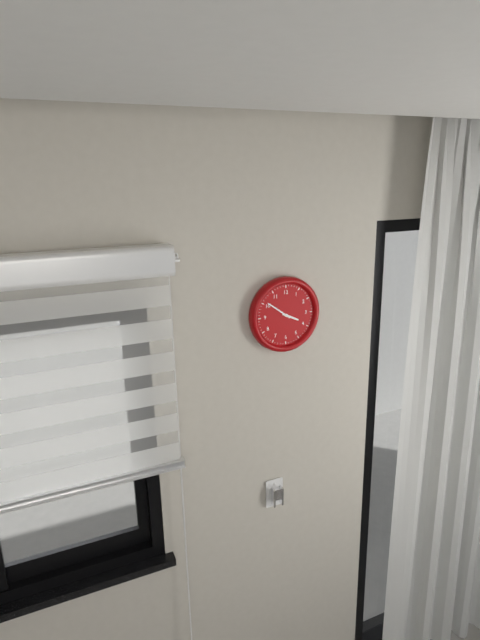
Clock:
{"hour": 3, "minute": 51}
